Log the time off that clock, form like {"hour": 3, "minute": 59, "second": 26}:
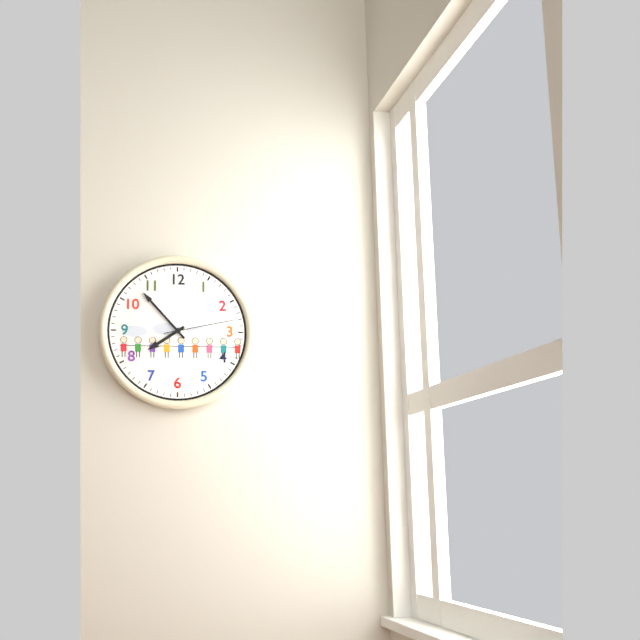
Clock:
{"hour": 7, "minute": 53, "second": 13}
